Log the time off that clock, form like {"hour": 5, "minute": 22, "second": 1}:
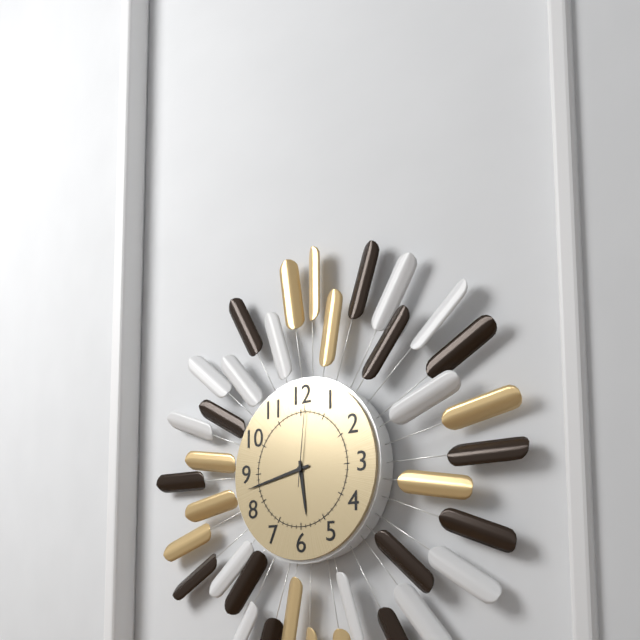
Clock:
{"hour": 5, "minute": 43, "second": 1}
